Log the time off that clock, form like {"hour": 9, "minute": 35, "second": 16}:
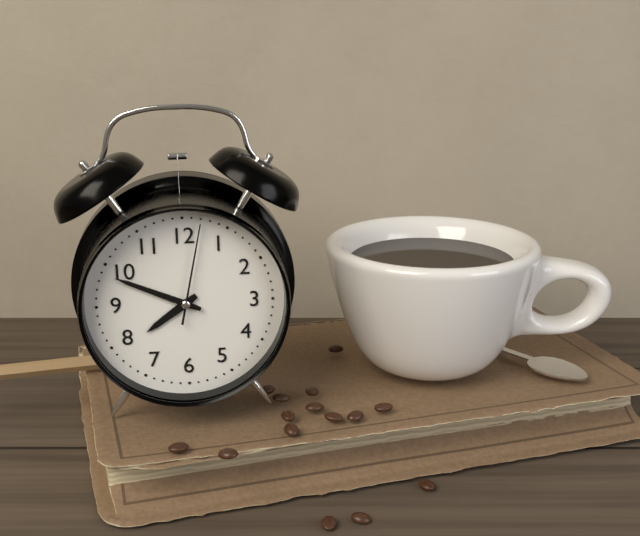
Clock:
{"hour": 7, "minute": 49, "second": 2}
